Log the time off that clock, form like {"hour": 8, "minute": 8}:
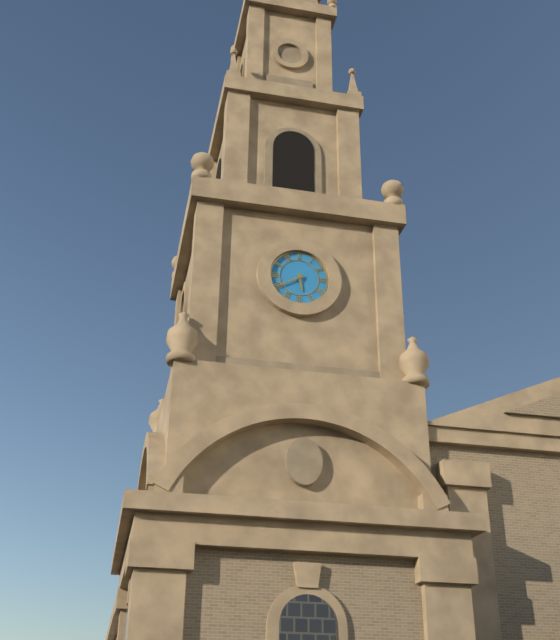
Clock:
{"hour": 5, "minute": 40}
